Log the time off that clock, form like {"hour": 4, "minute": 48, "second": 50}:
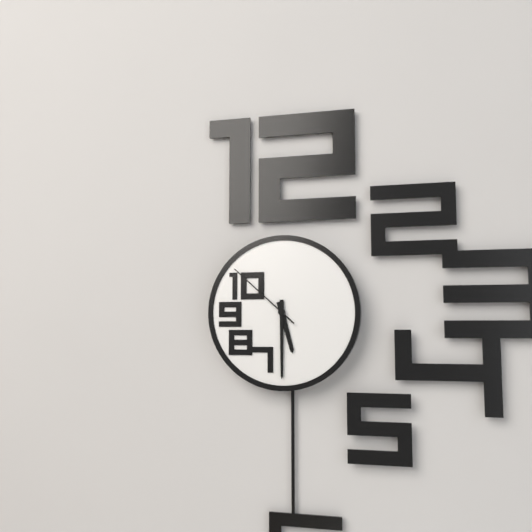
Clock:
{"hour": 5, "minute": 30, "second": 52}
